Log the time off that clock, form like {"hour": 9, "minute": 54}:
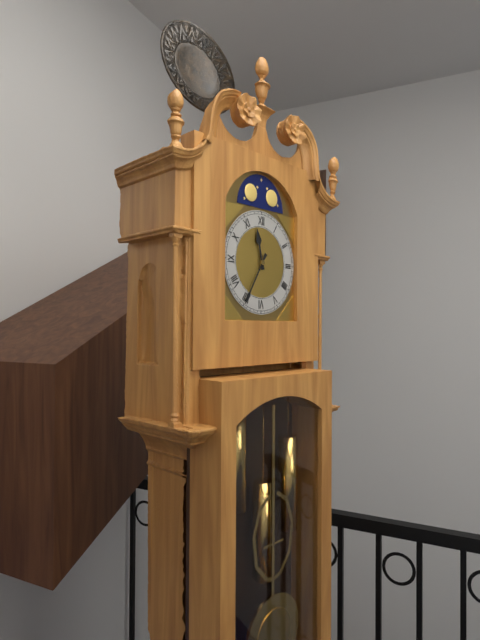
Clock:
{"hour": 11, "minute": 35}
